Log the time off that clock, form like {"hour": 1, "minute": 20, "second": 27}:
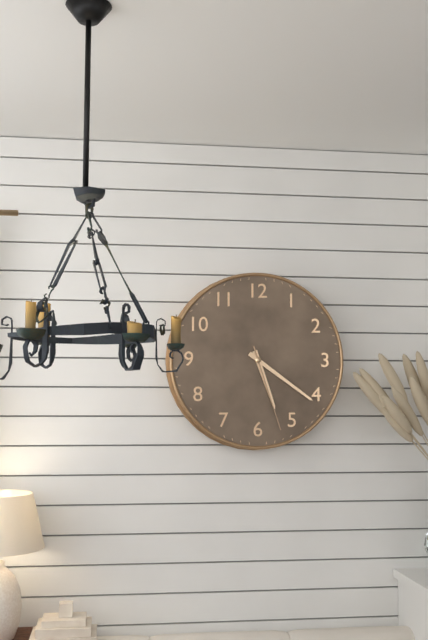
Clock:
{"hour": 5, "minute": 21, "second": 27}
